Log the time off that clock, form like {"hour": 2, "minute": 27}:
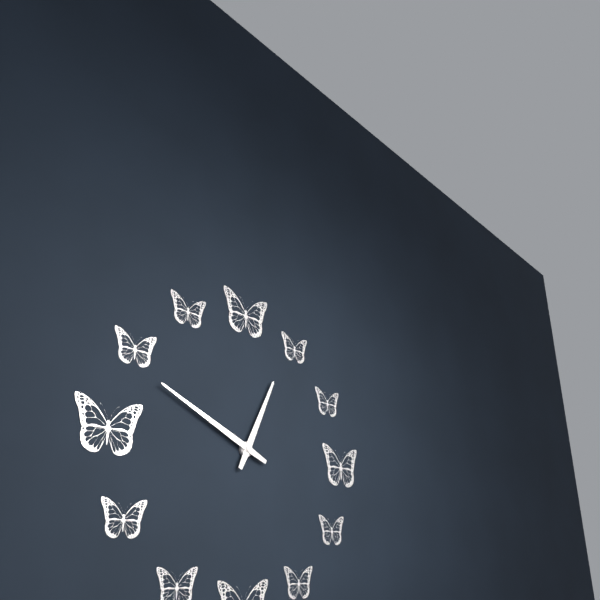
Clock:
{"hour": 12, "minute": 49}
